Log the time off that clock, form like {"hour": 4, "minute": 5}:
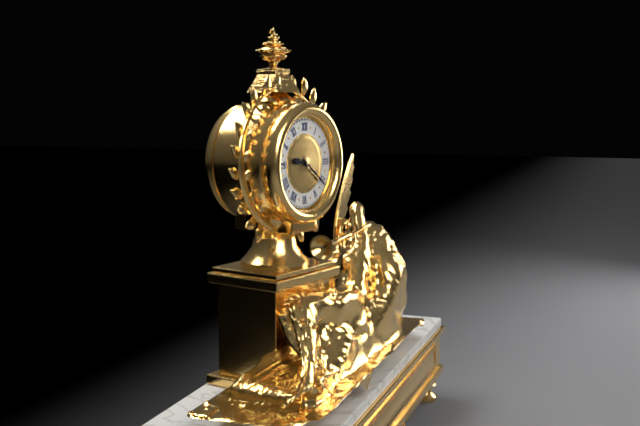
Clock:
{"hour": 9, "minute": 21}
